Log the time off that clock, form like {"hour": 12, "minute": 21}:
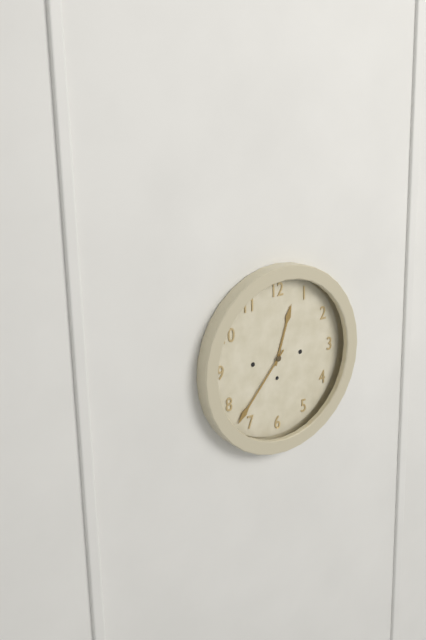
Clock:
{"hour": 12, "minute": 37}
